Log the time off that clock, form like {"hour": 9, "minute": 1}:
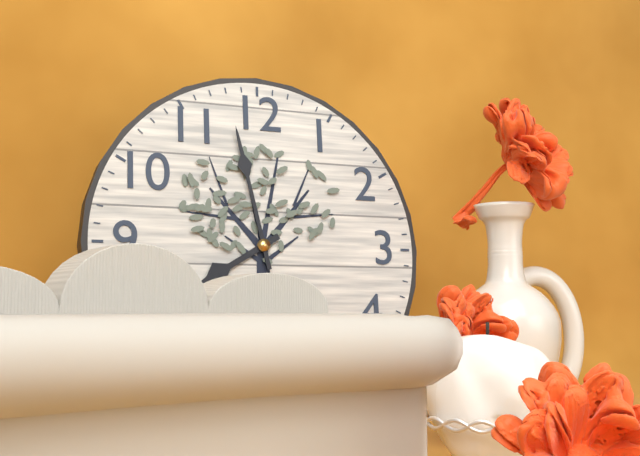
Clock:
{"hour": 7, "minute": 58}
